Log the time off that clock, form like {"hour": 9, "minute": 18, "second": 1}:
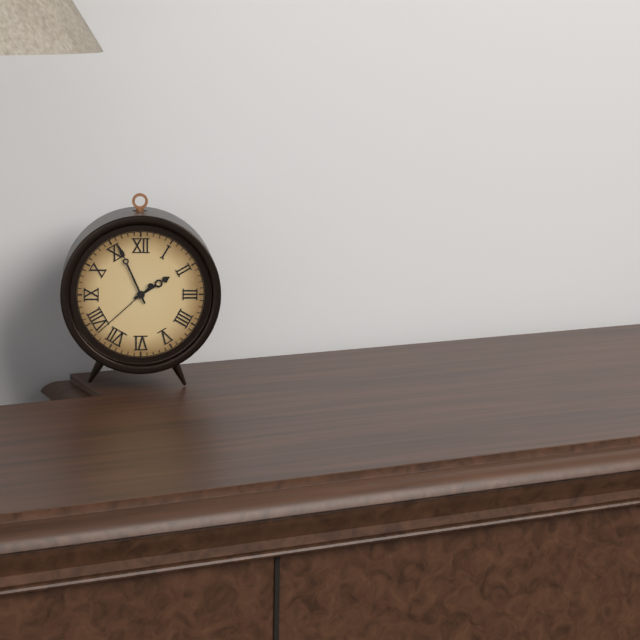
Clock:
{"hour": 1, "minute": 56, "second": 38}
